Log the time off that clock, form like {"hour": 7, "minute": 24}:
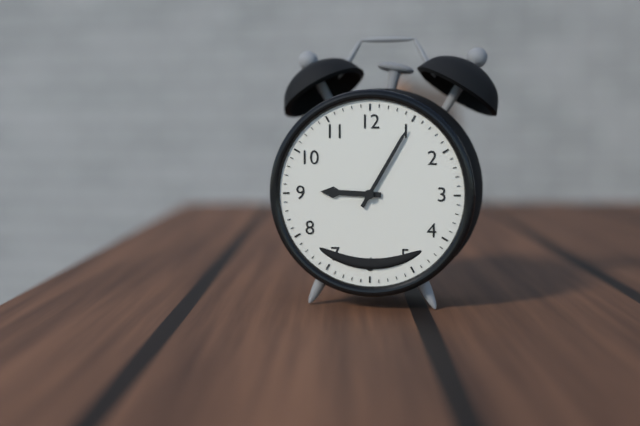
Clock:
{"hour": 9, "minute": 5}
